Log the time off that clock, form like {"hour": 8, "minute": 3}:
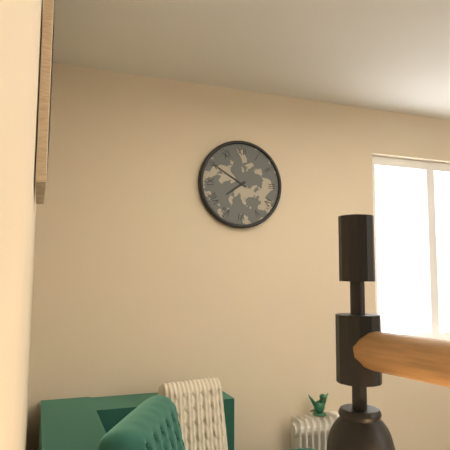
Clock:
{"hour": 7, "minute": 50}
